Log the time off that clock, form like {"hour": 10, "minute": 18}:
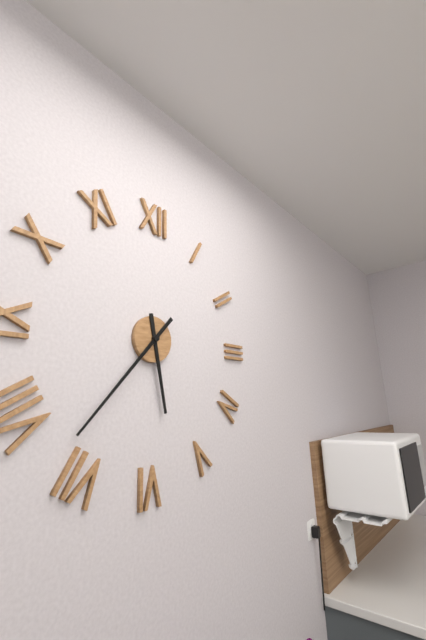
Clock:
{"hour": 5, "minute": 37}
